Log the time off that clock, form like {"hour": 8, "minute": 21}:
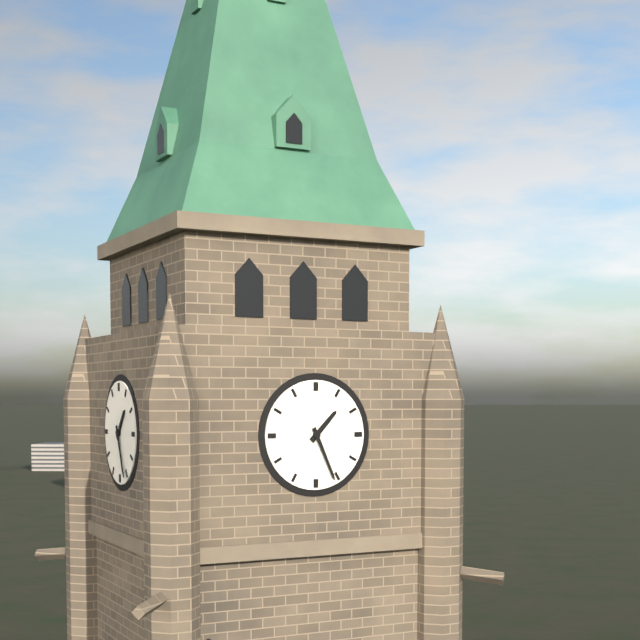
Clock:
{"hour": 1, "minute": 26}
